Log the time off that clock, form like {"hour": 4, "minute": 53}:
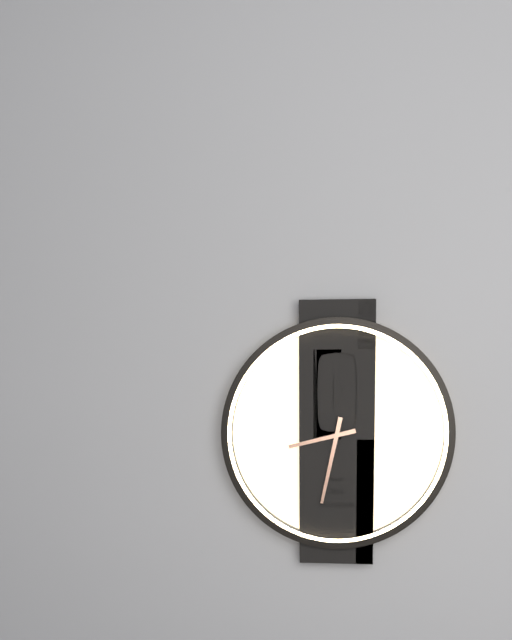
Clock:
{"hour": 8, "minute": 32}
